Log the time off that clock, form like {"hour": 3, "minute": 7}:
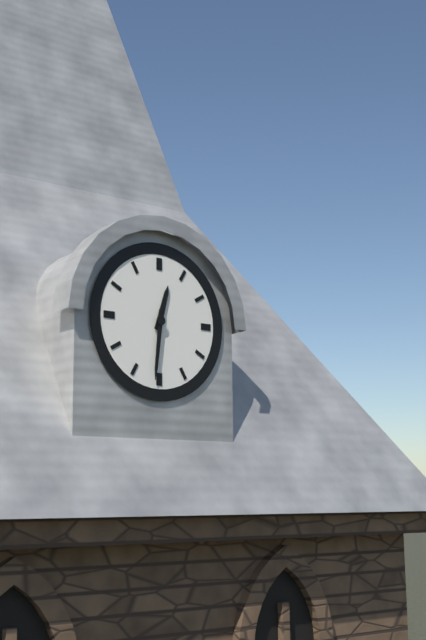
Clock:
{"hour": 12, "minute": 31}
